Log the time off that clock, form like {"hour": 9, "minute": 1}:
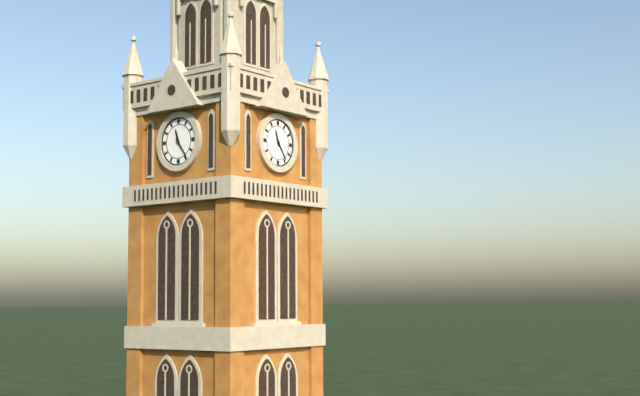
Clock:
{"hour": 11, "minute": 24}
